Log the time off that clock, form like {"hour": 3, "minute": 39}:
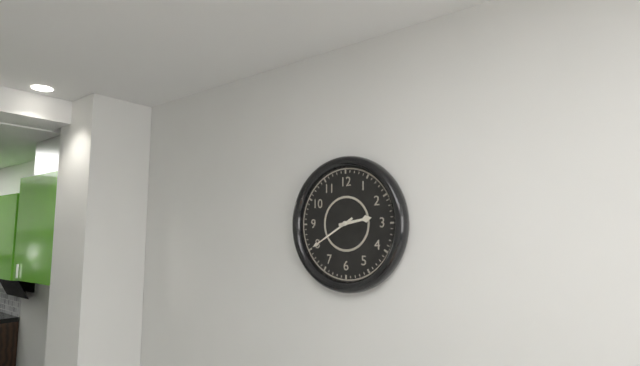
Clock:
{"hour": 2, "minute": 40}
